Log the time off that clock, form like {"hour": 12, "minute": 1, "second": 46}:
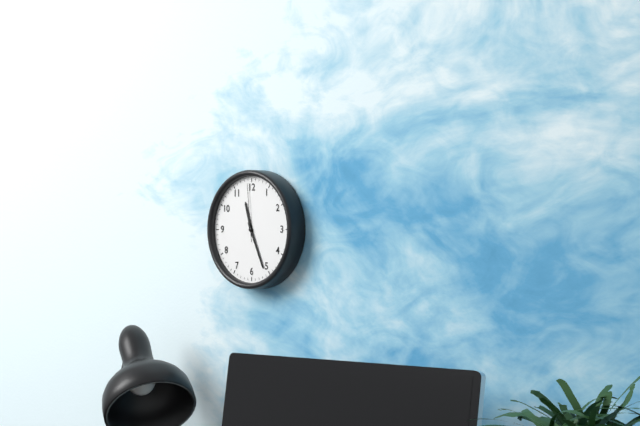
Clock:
{"hour": 11, "minute": 26, "second": 59}
